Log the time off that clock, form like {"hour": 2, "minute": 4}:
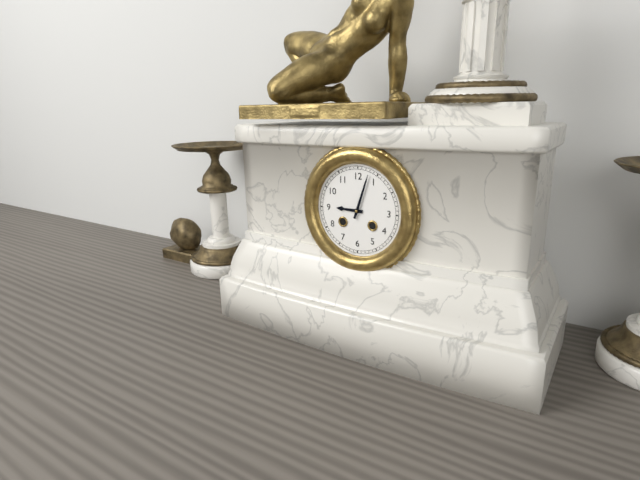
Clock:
{"hour": 9, "minute": 3}
